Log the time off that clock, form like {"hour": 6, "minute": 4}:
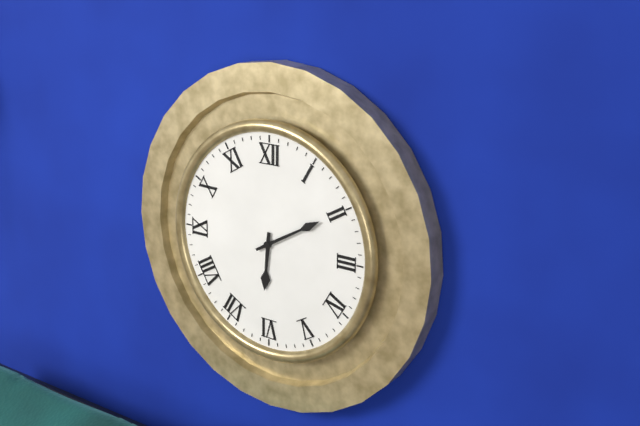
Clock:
{"hour": 6, "minute": 10}
